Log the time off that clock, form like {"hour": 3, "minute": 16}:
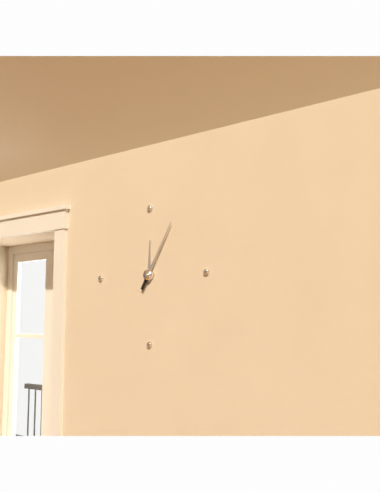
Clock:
{"hour": 12, "minute": 5}
